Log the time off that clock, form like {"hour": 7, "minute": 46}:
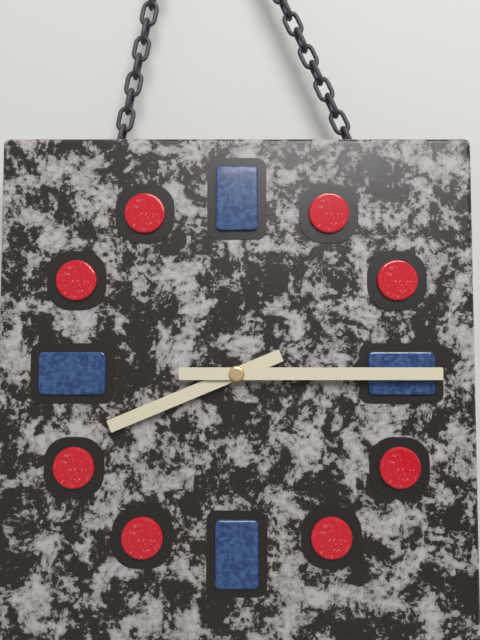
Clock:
{"hour": 8, "minute": 15}
